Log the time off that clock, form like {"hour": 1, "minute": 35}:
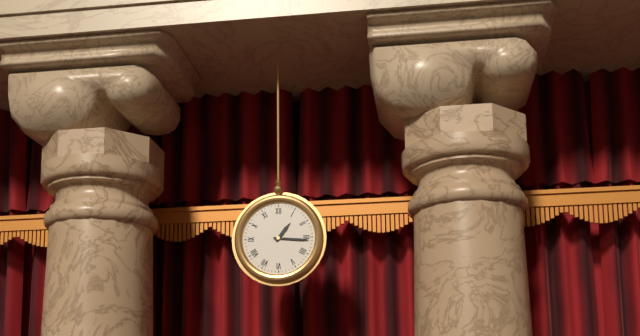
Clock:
{"hour": 1, "minute": 16}
